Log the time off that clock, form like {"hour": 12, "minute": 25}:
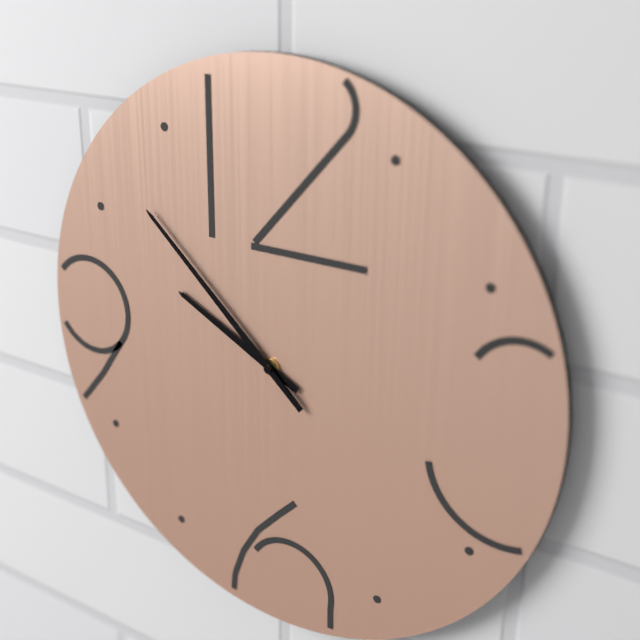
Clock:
{"hour": 9, "minute": 52}
